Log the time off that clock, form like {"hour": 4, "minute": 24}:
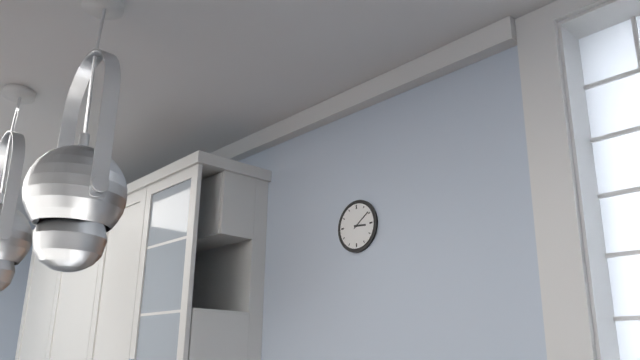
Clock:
{"hour": 3, "minute": 9}
